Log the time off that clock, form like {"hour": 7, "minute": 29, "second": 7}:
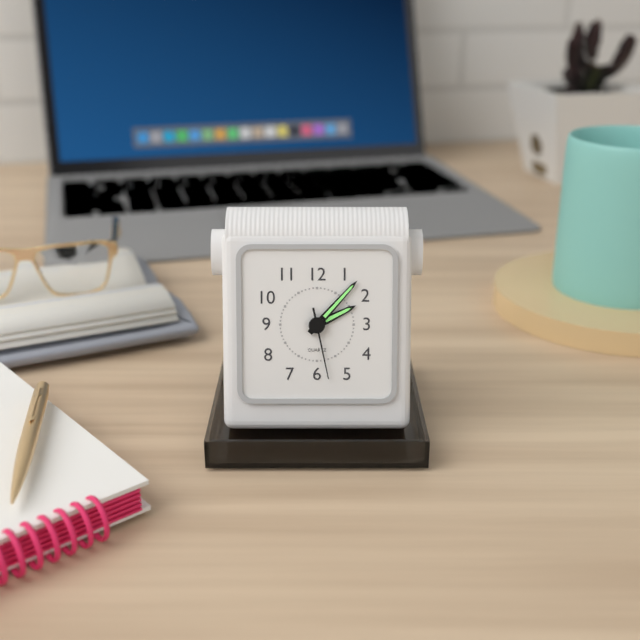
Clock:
{"hour": 2, "minute": 7, "second": 28}
